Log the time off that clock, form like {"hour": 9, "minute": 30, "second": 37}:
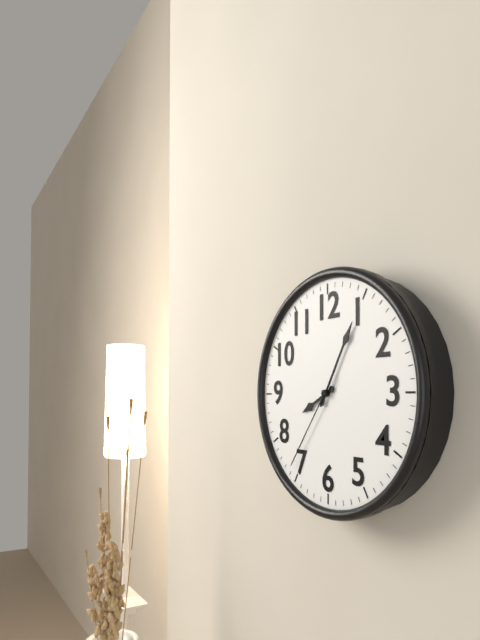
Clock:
{"hour": 8, "minute": 5, "second": 36}
